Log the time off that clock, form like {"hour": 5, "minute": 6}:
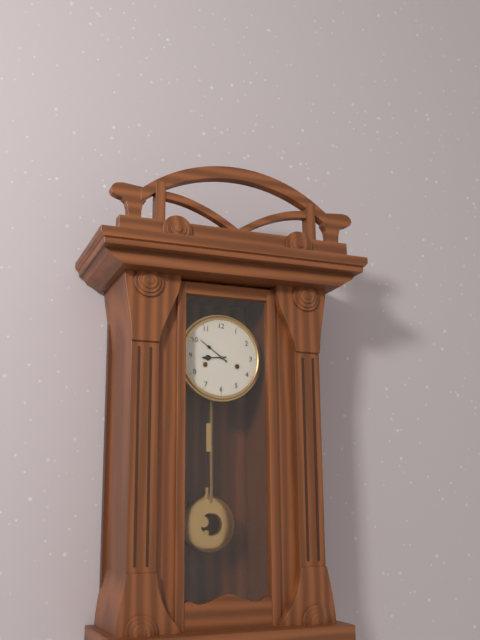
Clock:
{"hour": 8, "minute": 51}
